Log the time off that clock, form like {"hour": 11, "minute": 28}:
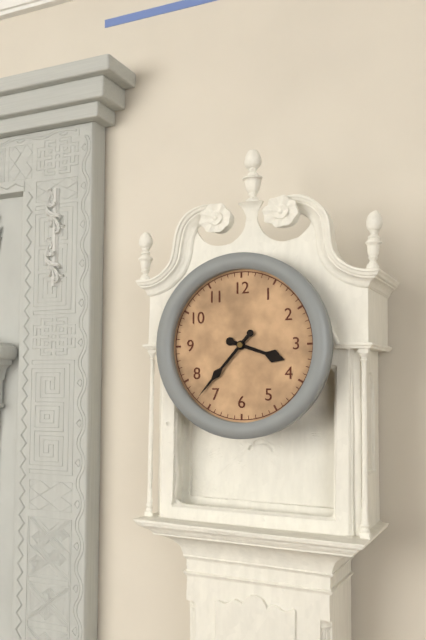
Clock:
{"hour": 3, "minute": 37}
